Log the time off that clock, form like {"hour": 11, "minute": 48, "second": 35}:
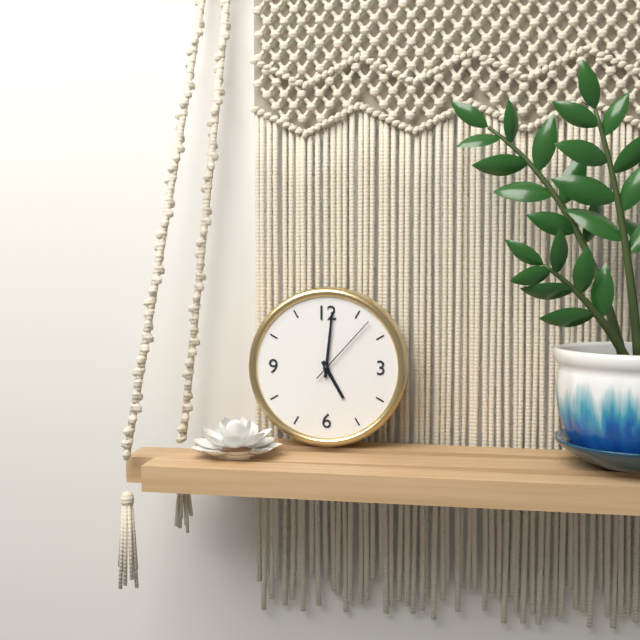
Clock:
{"hour": 5, "minute": 1, "second": 7}
